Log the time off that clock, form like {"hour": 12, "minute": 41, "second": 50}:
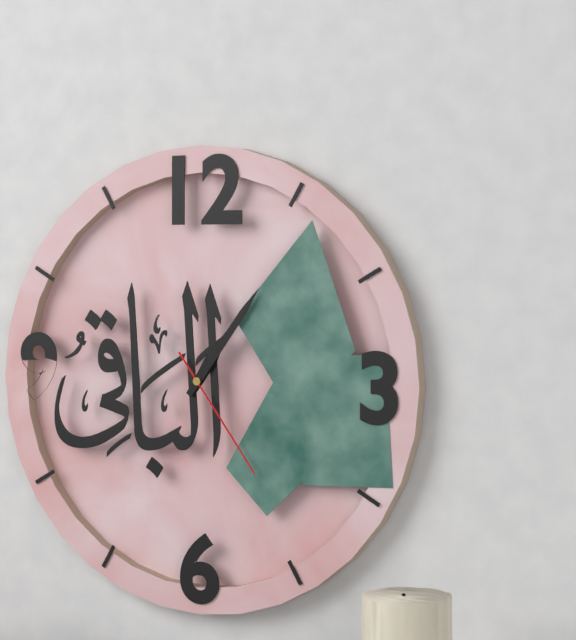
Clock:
{"hour": 1, "minute": 6, "second": 24}
